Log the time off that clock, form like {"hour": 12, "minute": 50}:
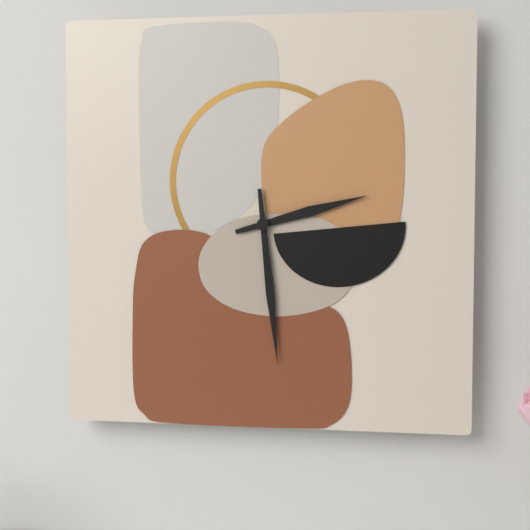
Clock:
{"hour": 2, "minute": 29}
